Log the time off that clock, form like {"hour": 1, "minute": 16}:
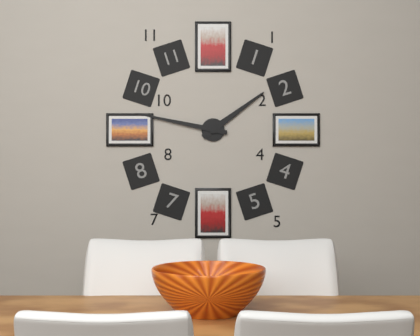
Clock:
{"hour": 1, "minute": 47}
